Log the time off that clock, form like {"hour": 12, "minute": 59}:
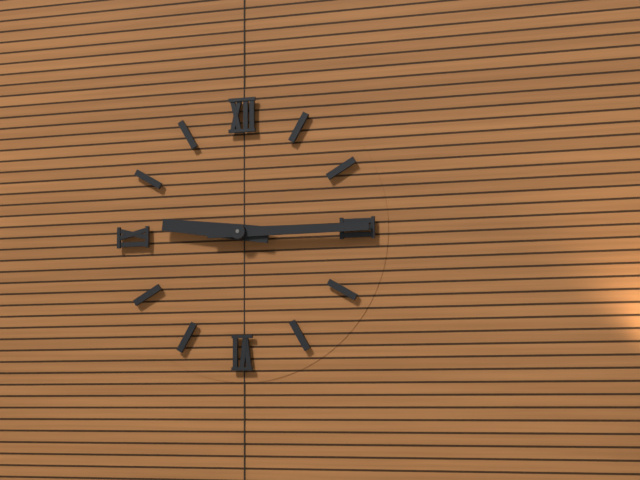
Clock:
{"hour": 9, "minute": 15}
